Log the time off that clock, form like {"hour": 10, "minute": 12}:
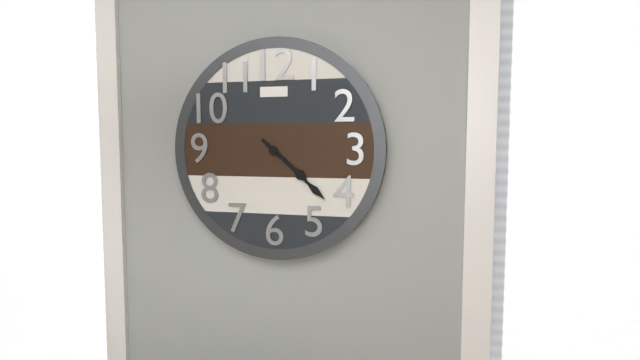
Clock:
{"hour": 4, "minute": 22}
